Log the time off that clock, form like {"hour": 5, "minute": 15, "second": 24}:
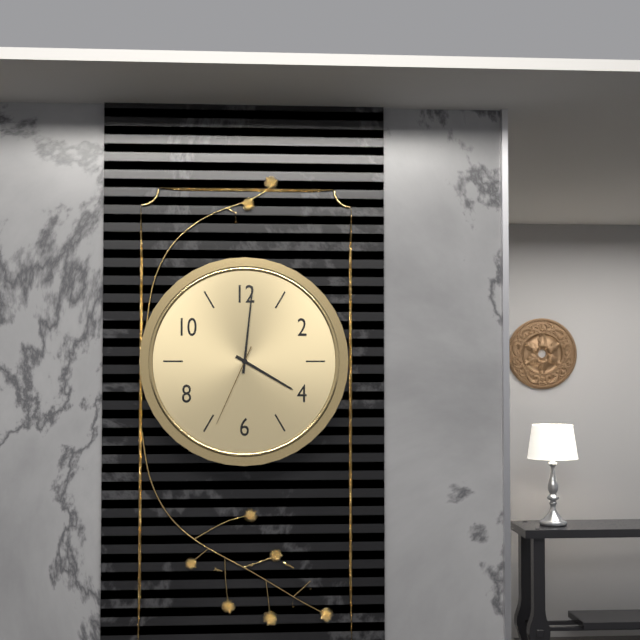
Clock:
{"hour": 4, "minute": 1, "second": 34}
